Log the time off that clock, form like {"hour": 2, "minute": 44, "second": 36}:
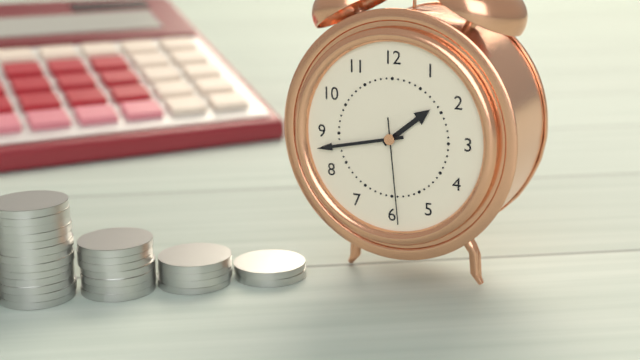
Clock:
{"hour": 1, "minute": 43, "second": 29}
